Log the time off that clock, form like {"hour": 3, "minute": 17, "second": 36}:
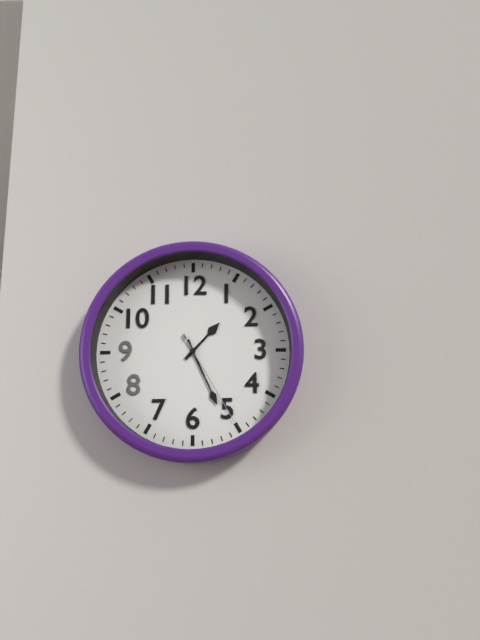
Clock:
{"hour": 1, "minute": 26, "second": 25}
